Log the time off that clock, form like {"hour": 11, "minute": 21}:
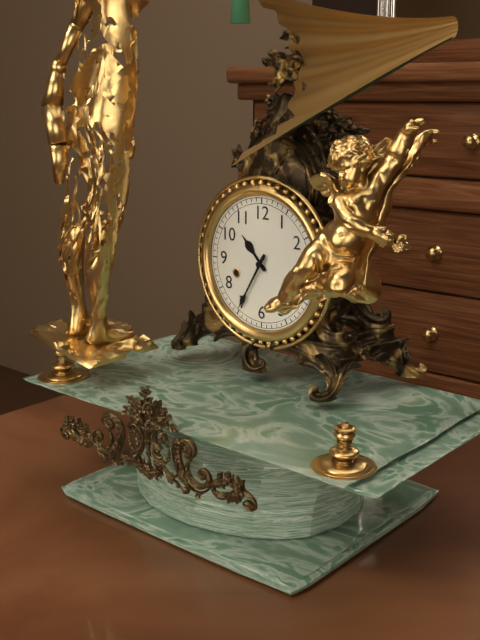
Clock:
{"hour": 10, "minute": 35}
